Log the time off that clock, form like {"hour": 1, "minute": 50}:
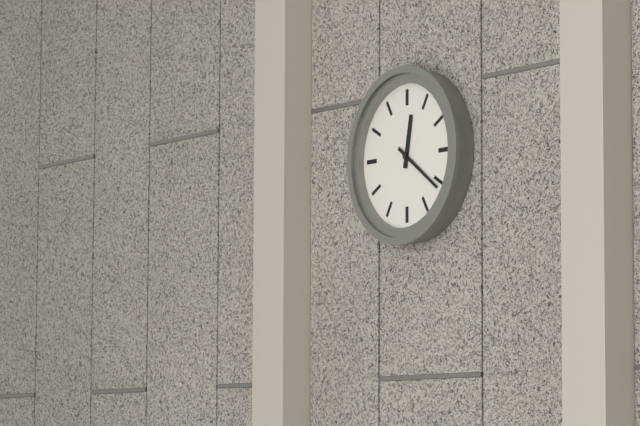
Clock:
{"hour": 12, "minute": 21}
